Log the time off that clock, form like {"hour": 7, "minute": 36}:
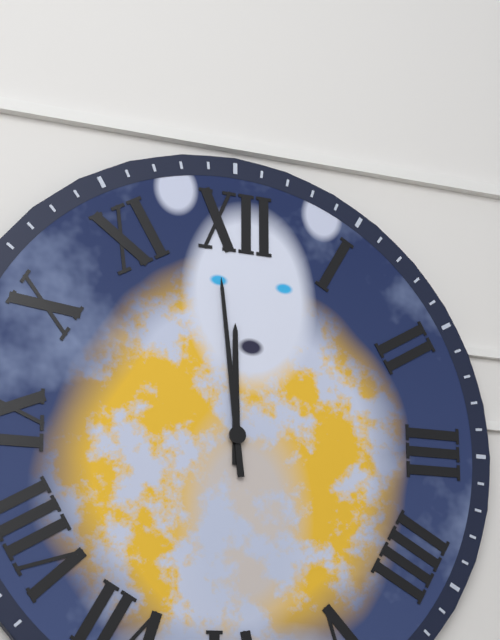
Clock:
{"hour": 11, "minute": 59}
